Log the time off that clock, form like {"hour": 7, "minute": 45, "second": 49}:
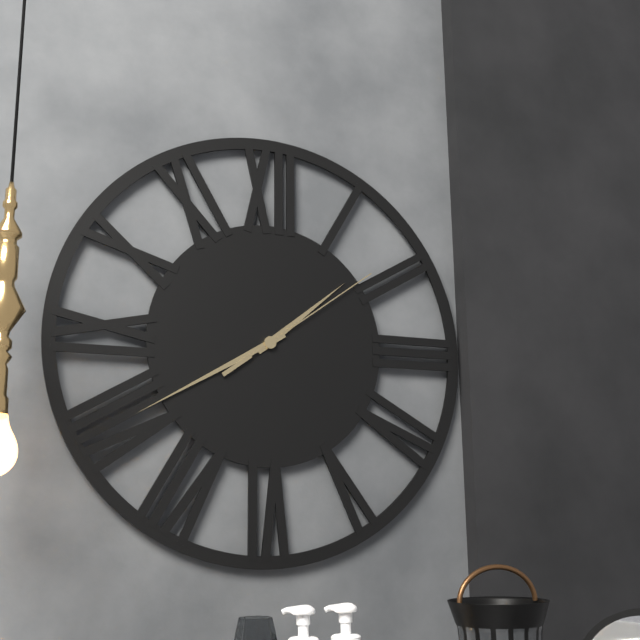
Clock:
{"hour": 1, "minute": 40, "second": 9}
